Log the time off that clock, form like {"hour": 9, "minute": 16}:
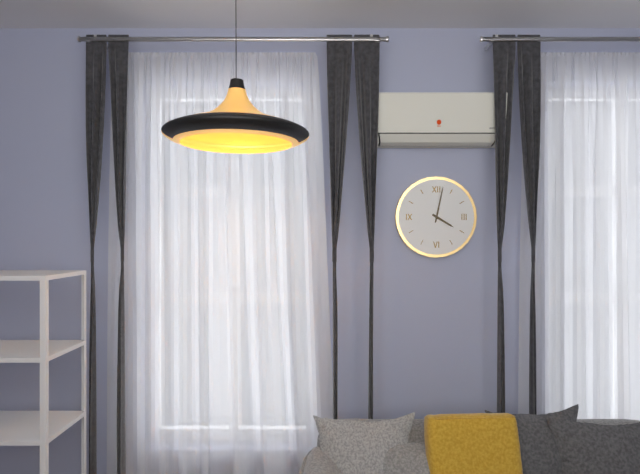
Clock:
{"hour": 4, "minute": 2}
